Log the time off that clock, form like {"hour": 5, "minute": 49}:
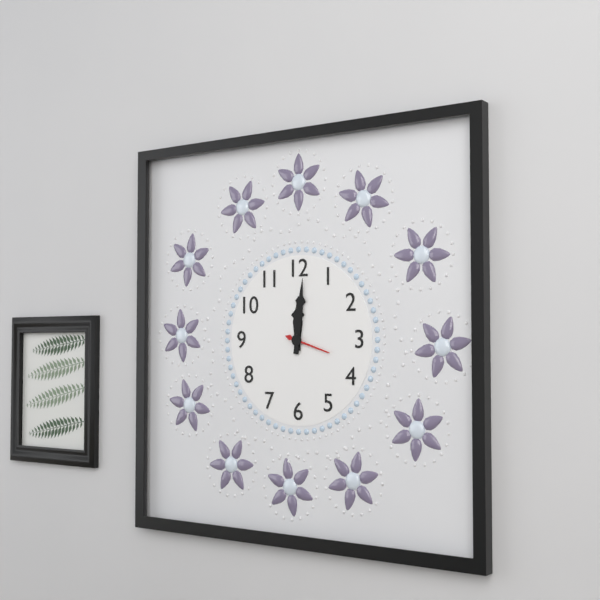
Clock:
{"hour": 12, "minute": 1}
